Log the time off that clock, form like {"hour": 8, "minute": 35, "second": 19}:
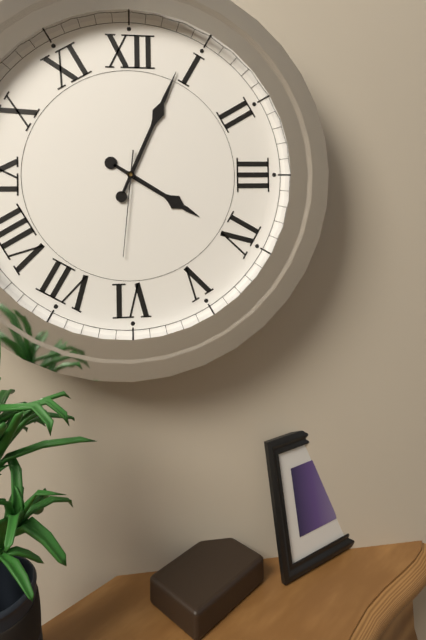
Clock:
{"hour": 4, "minute": 4, "second": 31}
